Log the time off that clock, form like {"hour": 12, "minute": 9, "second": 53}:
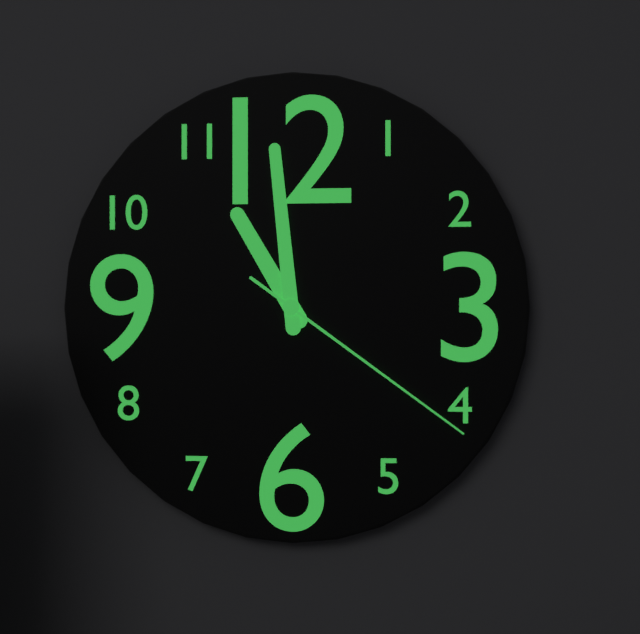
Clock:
{"hour": 10, "minute": 59, "second": 21}
